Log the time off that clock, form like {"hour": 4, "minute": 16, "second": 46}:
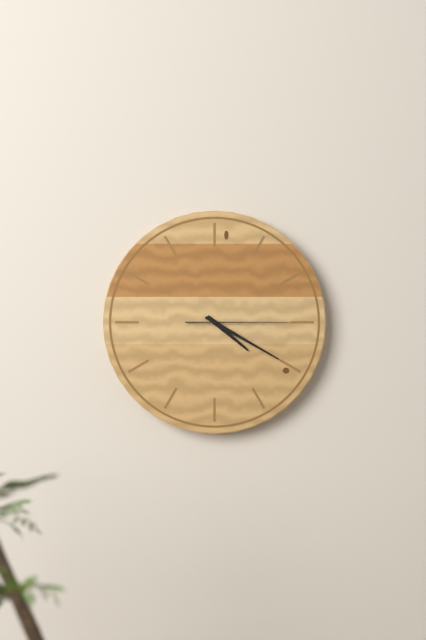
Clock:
{"hour": 4, "minute": 20, "second": 15}
